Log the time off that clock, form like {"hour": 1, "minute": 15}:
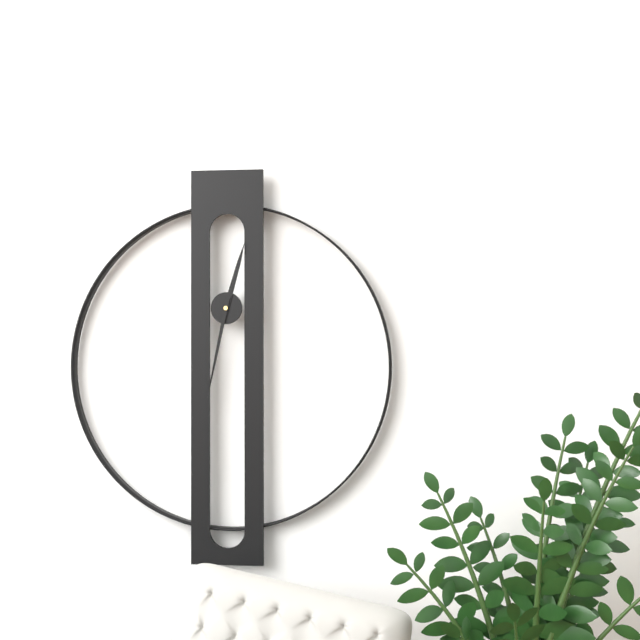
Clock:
{"hour": 12, "minute": 32}
